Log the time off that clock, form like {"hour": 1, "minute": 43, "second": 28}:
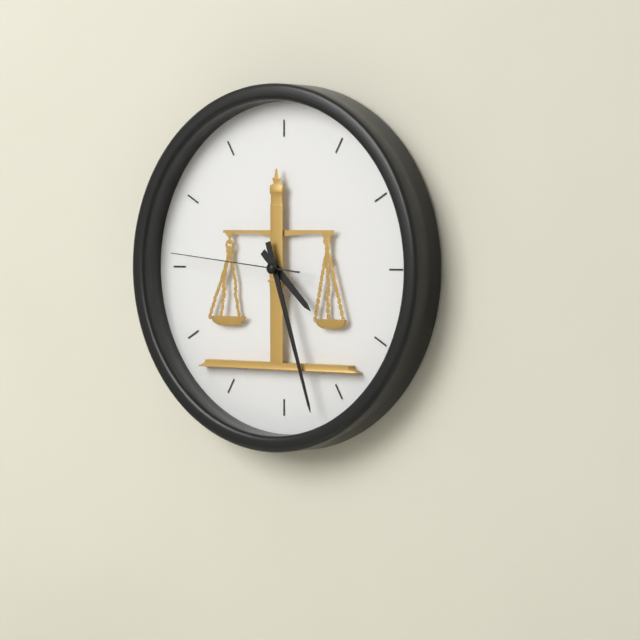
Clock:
{"hour": 4, "minute": 27, "second": 46}
